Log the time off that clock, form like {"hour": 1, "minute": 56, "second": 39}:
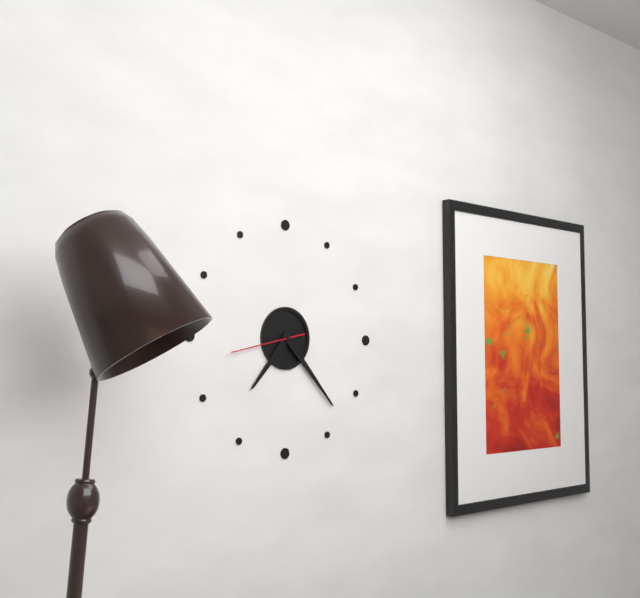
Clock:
{"hour": 7, "minute": 23, "second": 43}
